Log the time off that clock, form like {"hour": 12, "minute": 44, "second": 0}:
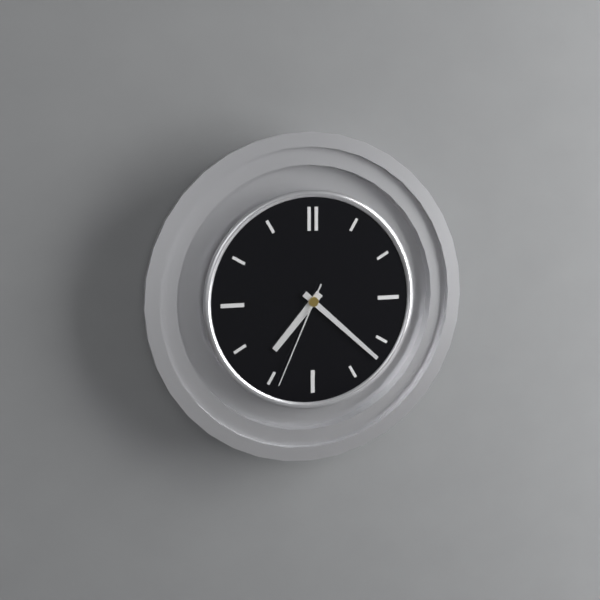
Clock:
{"hour": 7, "minute": 22, "second": 34}
